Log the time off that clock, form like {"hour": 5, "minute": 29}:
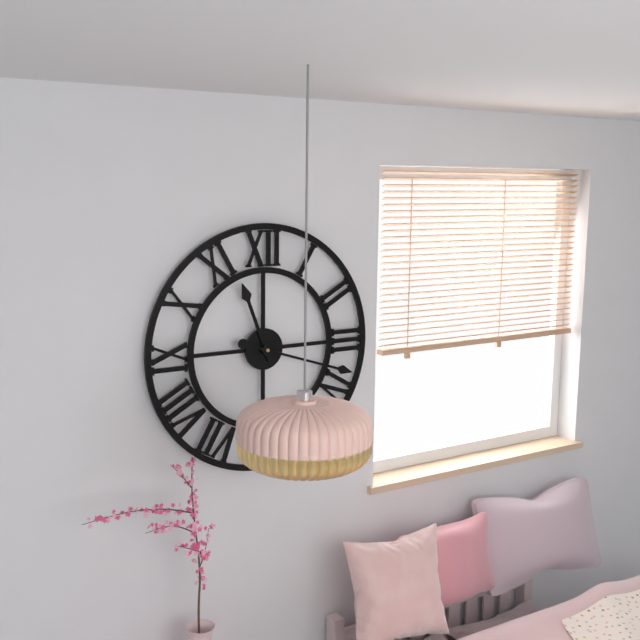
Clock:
{"hour": 11, "minute": 18}
